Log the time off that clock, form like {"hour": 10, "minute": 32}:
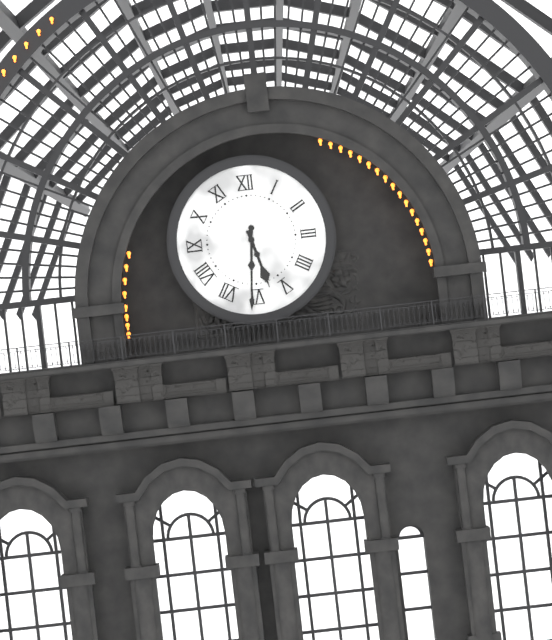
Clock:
{"hour": 5, "minute": 31}
